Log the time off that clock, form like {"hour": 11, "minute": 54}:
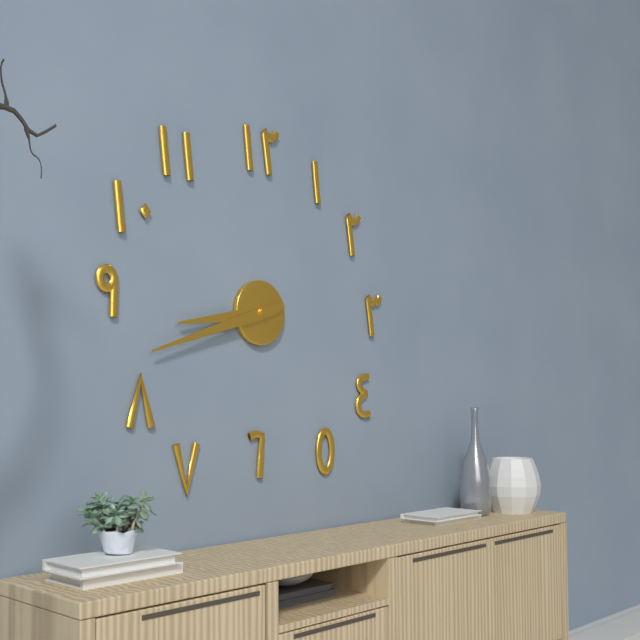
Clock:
{"hour": 8, "minute": 42}
